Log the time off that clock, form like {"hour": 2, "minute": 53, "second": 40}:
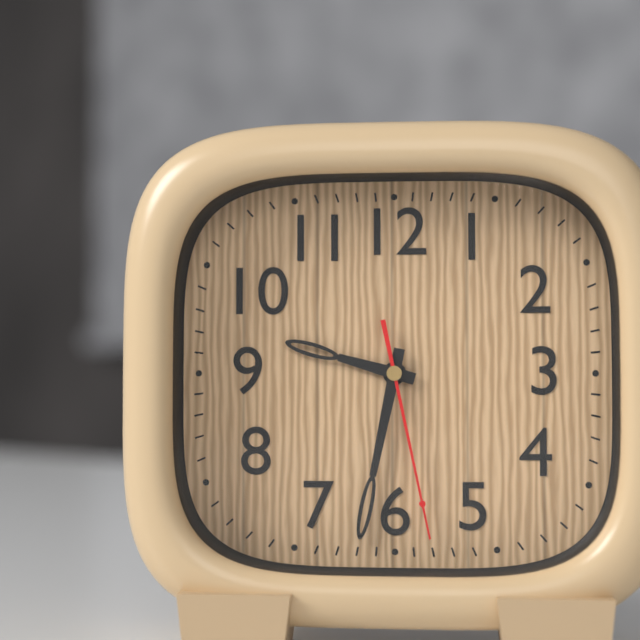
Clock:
{"hour": 9, "minute": 32, "second": 28}
